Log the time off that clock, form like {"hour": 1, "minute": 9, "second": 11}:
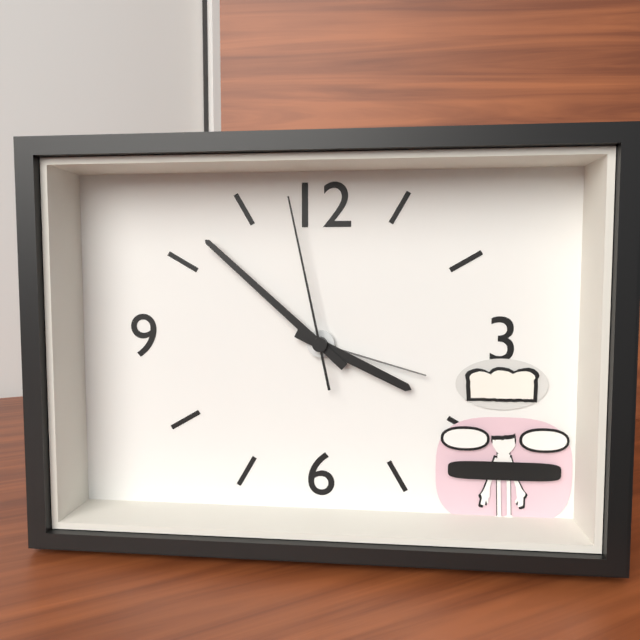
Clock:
{"hour": 3, "minute": 52, "second": 58}
